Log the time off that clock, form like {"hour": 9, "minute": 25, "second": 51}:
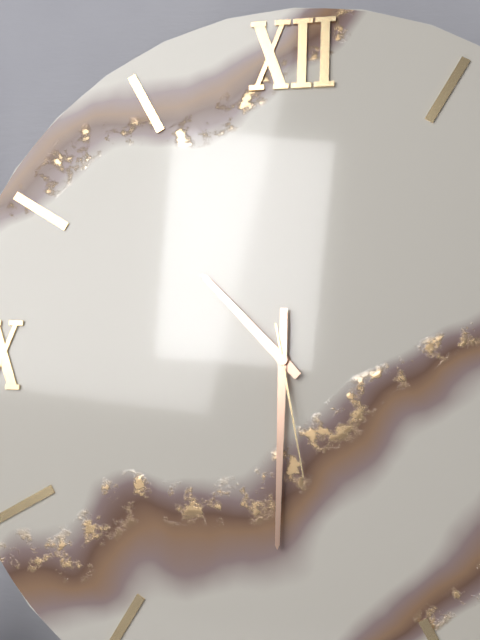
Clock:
{"hour": 10, "minute": 30, "second": 28}
